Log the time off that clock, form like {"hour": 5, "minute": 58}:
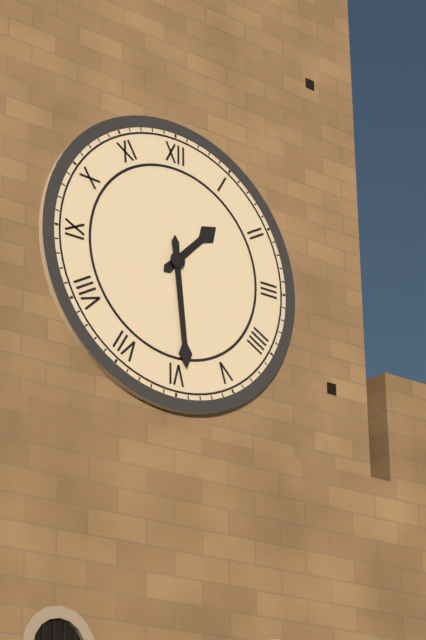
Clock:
{"hour": 1, "minute": 29}
